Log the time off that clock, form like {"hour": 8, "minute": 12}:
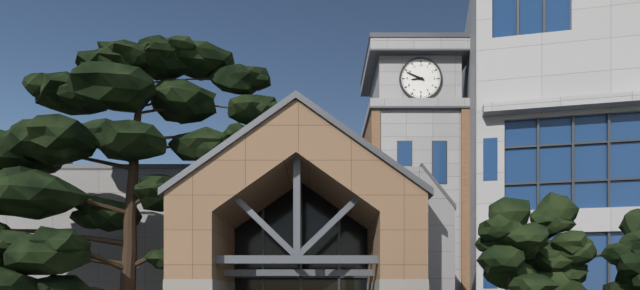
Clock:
{"hour": 8, "minute": 49}
